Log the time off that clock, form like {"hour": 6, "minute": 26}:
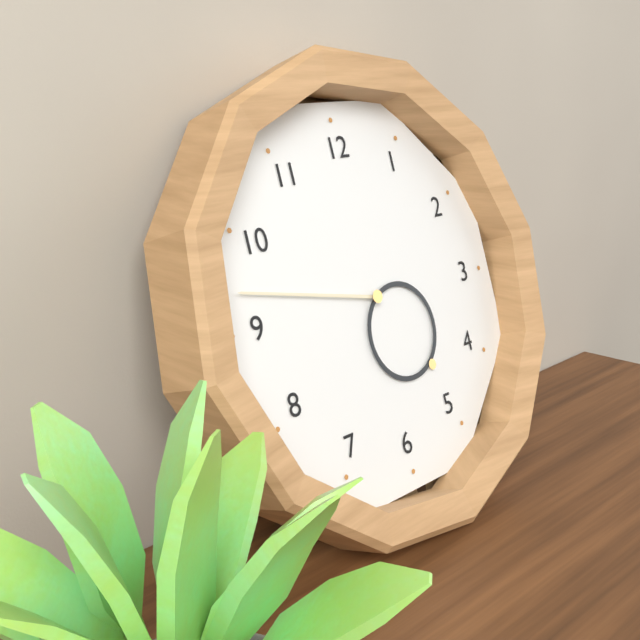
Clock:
{"hour": 4, "minute": 47}
